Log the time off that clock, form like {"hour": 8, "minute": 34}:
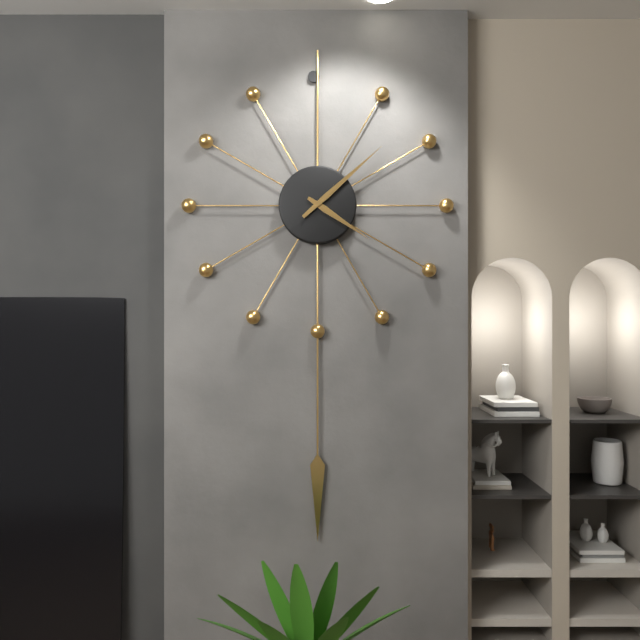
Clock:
{"hour": 4, "minute": 8}
